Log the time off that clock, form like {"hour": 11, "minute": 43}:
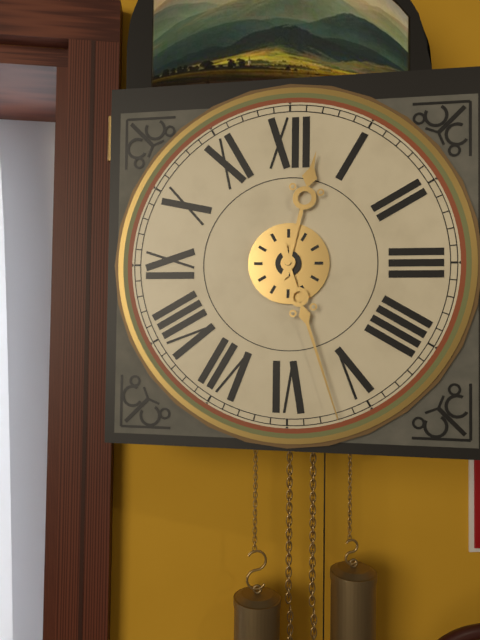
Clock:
{"hour": 12, "minute": 27}
